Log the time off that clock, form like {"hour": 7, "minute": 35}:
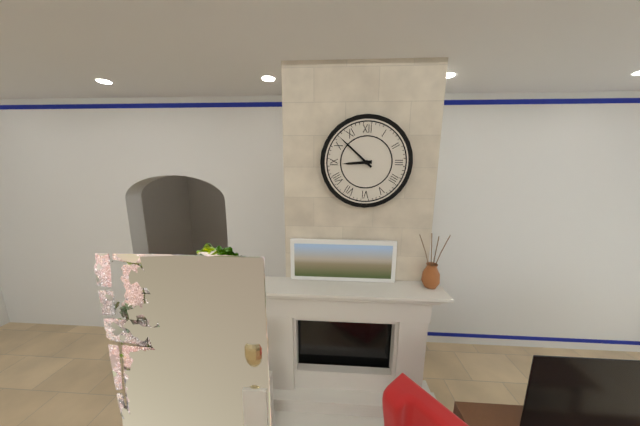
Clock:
{"hour": 8, "minute": 52}
